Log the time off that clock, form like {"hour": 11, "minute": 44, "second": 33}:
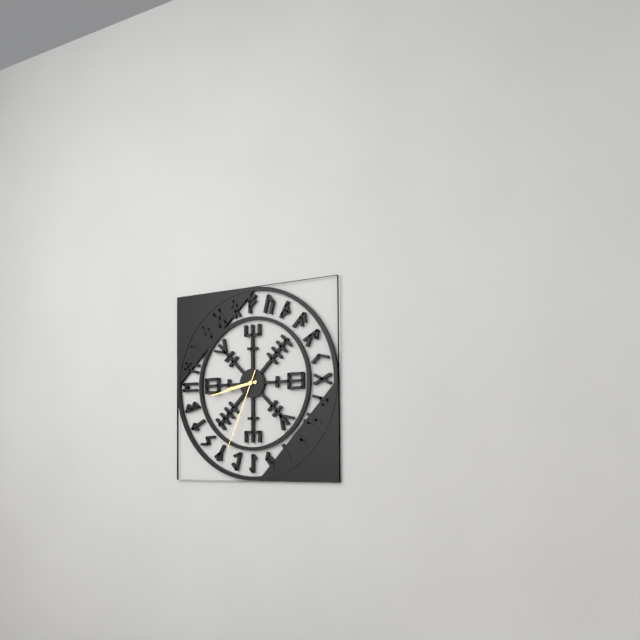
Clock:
{"hour": 8, "minute": 43, "second": 34}
